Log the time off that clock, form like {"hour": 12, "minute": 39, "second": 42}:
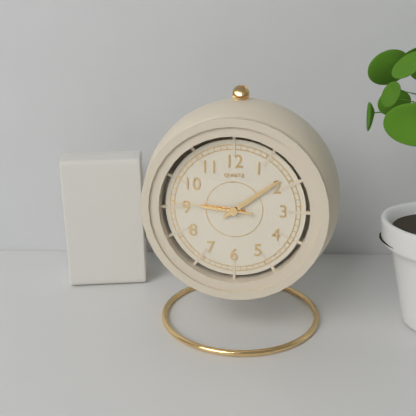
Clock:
{"hour": 9, "minute": 9, "second": 46}
